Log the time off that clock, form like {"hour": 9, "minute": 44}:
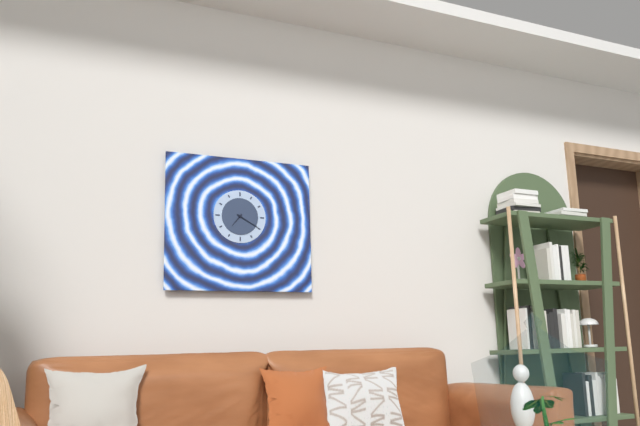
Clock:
{"hour": 7, "minute": 20}
